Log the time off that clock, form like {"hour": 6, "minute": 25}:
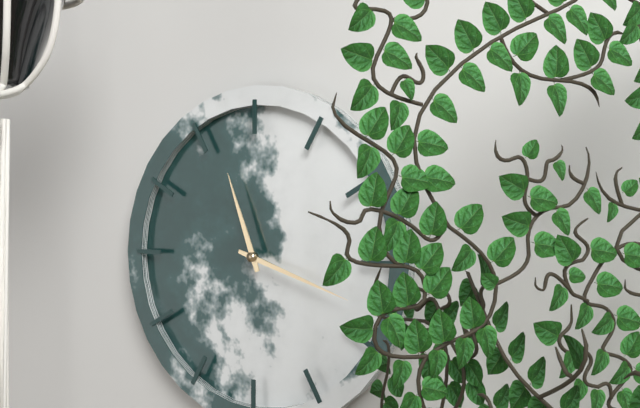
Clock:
{"hour": 11, "minute": 18}
